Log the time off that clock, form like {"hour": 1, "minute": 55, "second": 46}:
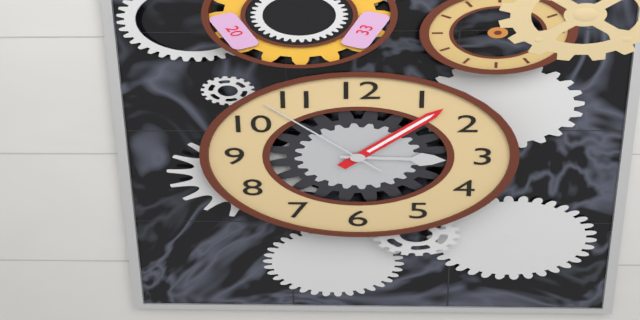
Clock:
{"hour": 3, "minute": 7, "second": 53}
